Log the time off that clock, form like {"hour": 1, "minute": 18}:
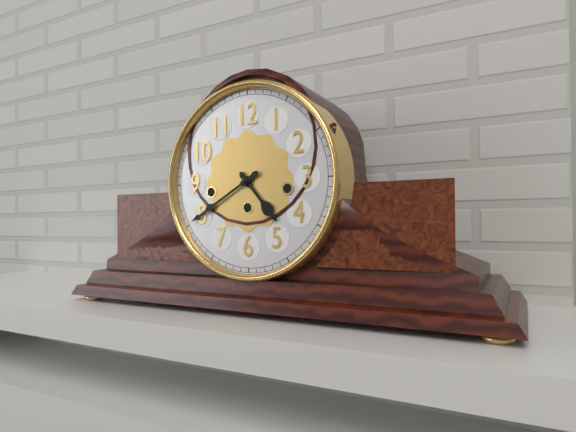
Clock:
{"hour": 4, "minute": 40}
